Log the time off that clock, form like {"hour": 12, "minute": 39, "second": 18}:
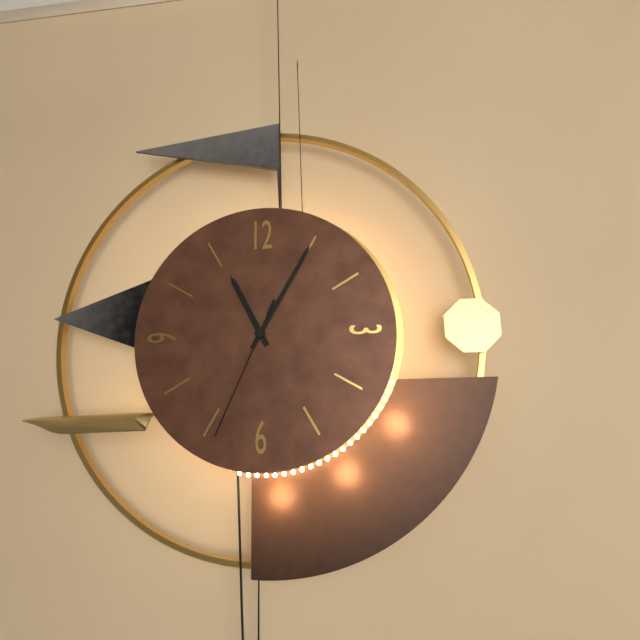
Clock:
{"hour": 11, "minute": 5, "second": 34}
